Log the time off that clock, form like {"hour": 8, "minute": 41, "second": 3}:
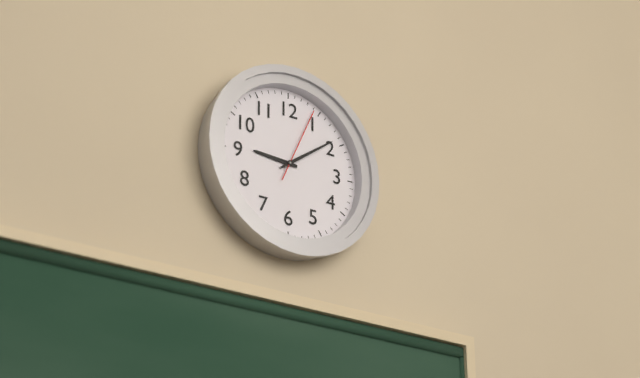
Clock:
{"hour": 9, "minute": 9, "second": 4}
